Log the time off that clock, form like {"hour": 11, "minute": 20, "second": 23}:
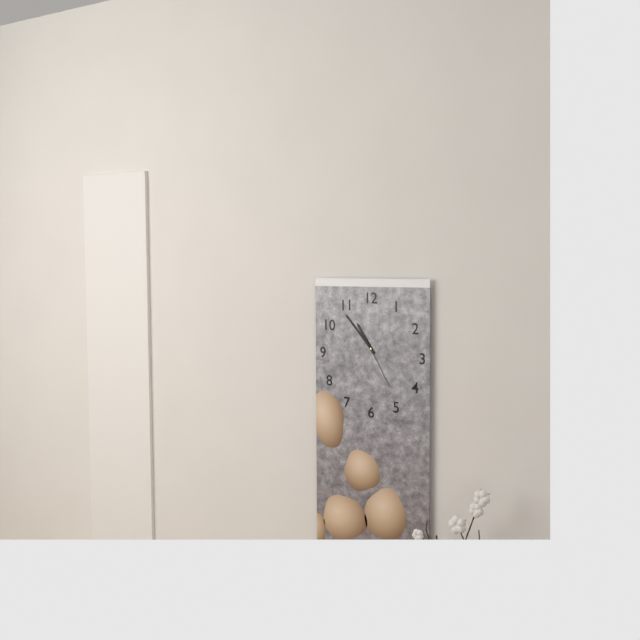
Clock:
{"hour": 10, "minute": 53, "second": 25}
